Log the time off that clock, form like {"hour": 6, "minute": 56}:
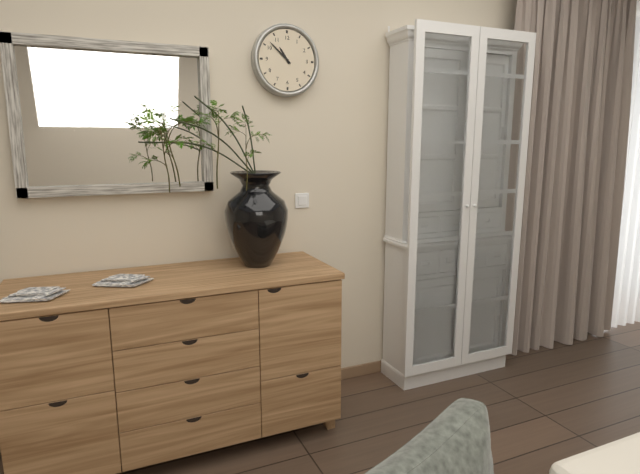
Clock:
{"hour": 10, "minute": 52}
